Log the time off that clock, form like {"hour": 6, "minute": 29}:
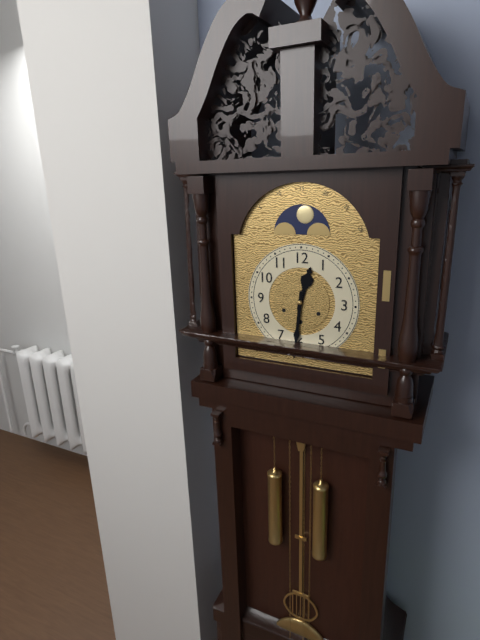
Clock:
{"hour": 12, "minute": 31}
